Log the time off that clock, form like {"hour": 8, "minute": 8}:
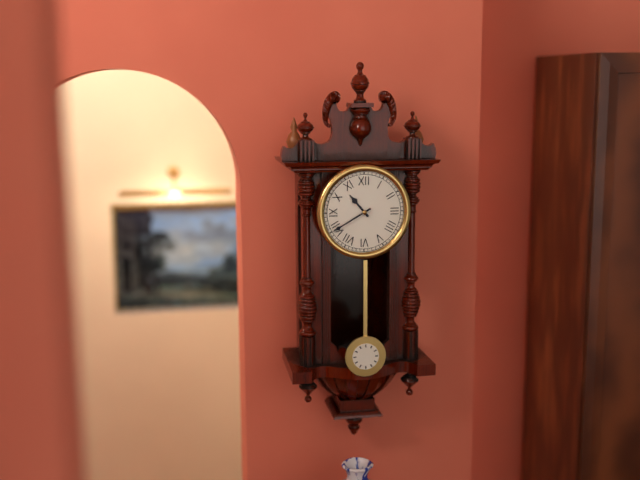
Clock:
{"hour": 10, "minute": 40}
